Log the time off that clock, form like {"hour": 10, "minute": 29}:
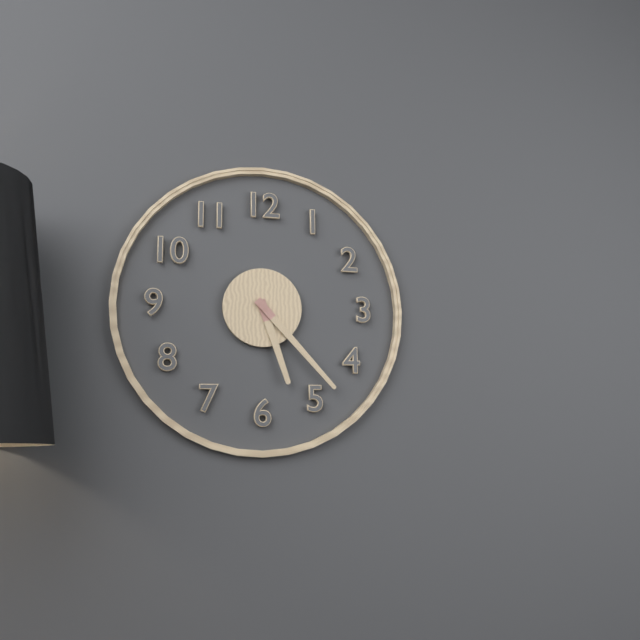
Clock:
{"hour": 5, "minute": 23}
